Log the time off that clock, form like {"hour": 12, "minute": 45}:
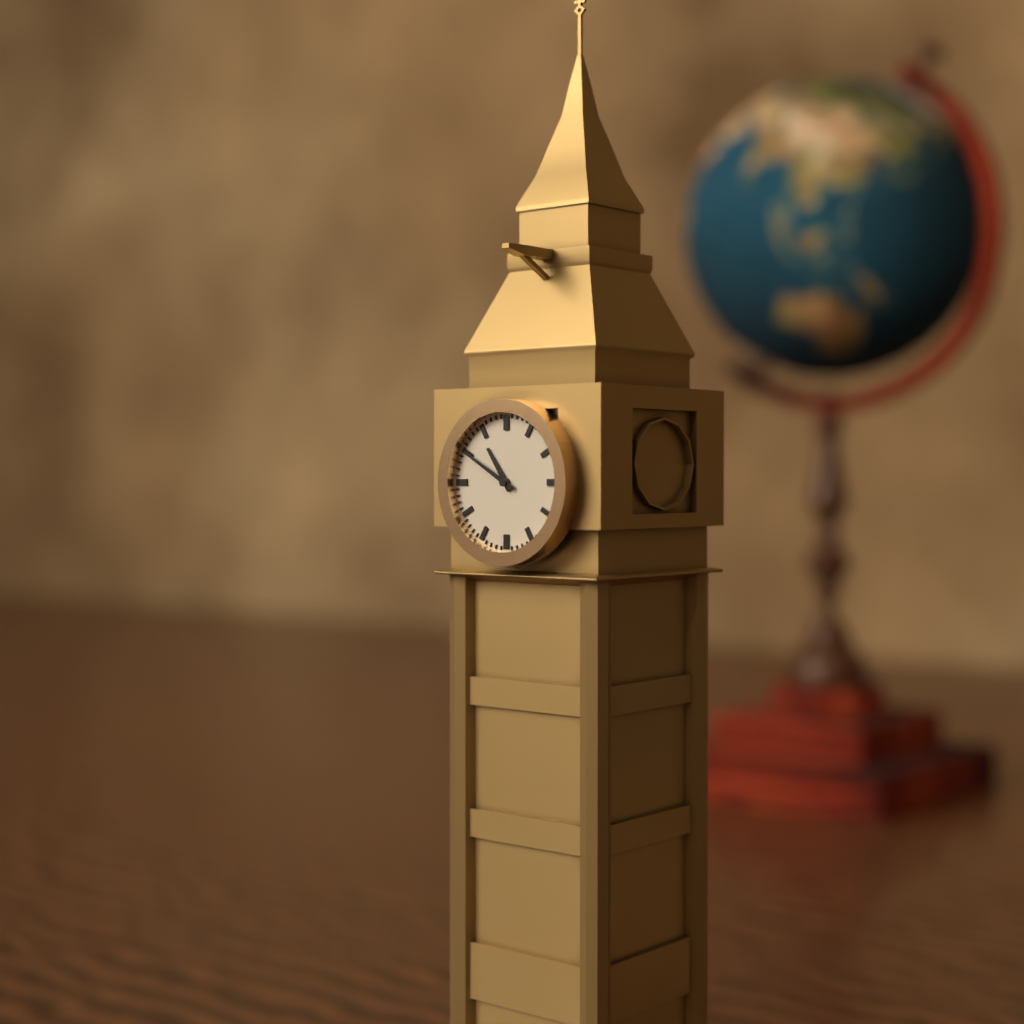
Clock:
{"hour": 10, "minute": 50}
